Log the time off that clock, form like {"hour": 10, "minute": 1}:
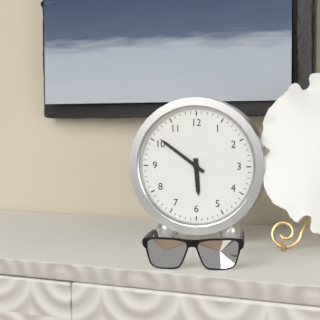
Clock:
{"hour": 5, "minute": 51}
